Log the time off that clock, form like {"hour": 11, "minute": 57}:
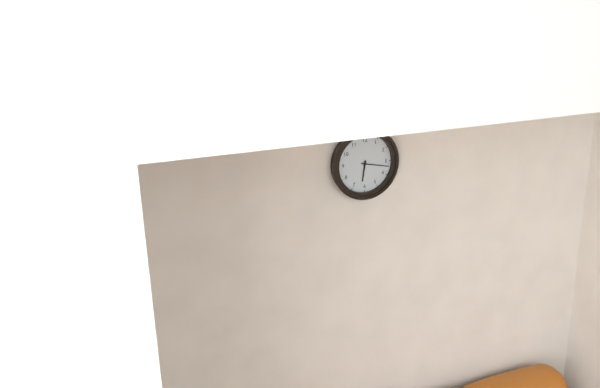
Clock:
{"hour": 6, "minute": 17}
